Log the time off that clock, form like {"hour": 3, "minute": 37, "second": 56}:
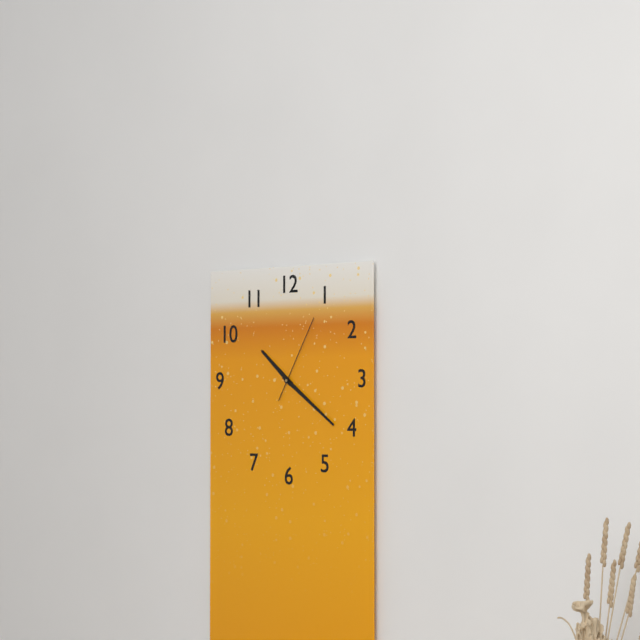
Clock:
{"hour": 10, "minute": 21, "second": 5}
